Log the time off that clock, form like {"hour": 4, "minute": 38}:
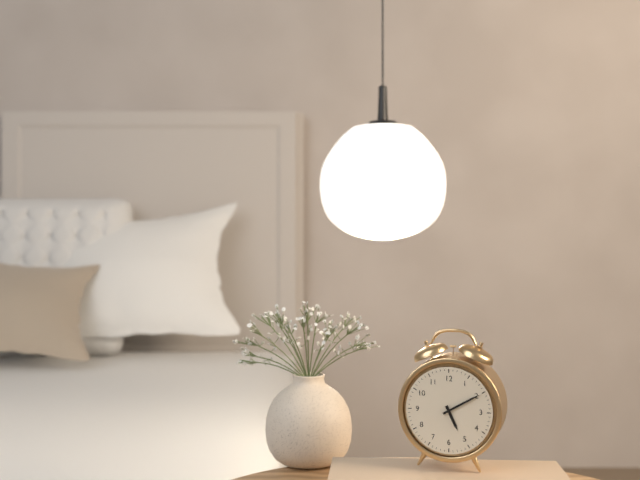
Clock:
{"hour": 5, "minute": 10}
